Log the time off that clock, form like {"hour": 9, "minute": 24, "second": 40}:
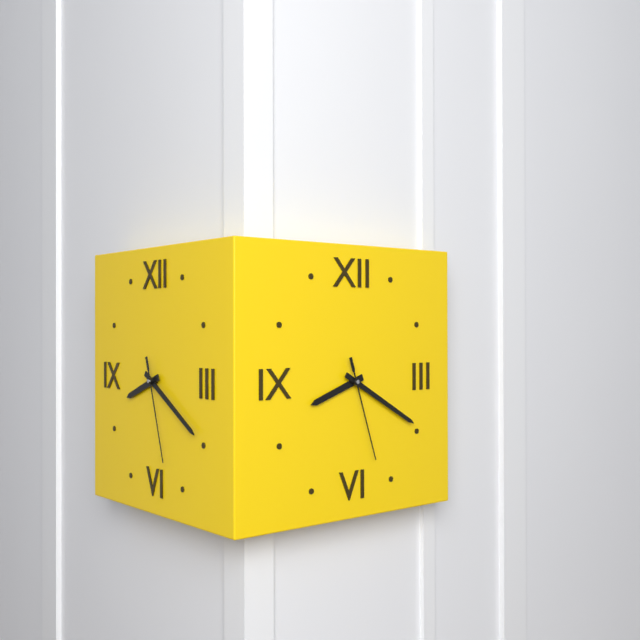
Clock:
{"hour": 8, "minute": 20, "second": 27}
